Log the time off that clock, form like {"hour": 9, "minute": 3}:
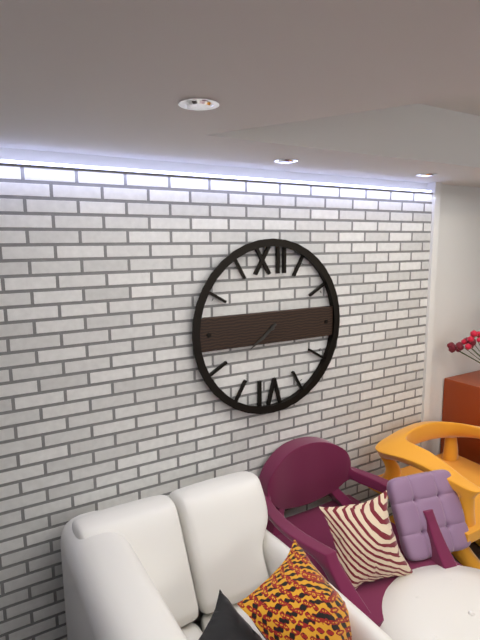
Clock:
{"hour": 7, "minute": 39}
